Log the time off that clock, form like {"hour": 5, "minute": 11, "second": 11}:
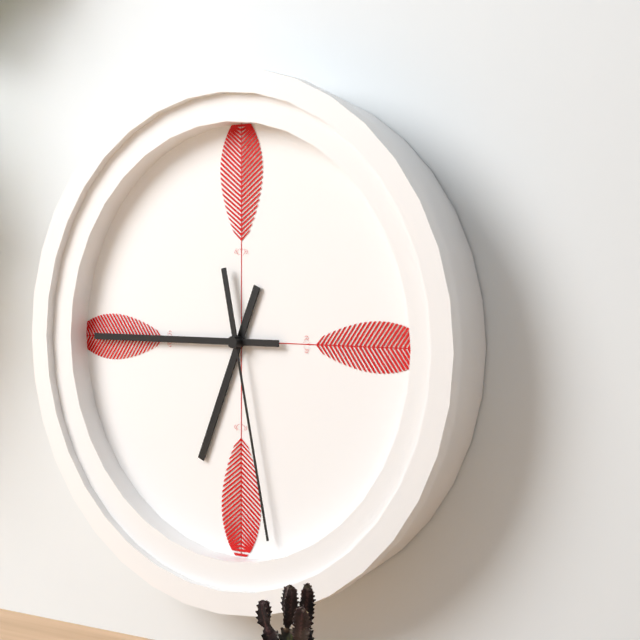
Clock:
{"hour": 6, "minute": 45, "second": 28}
